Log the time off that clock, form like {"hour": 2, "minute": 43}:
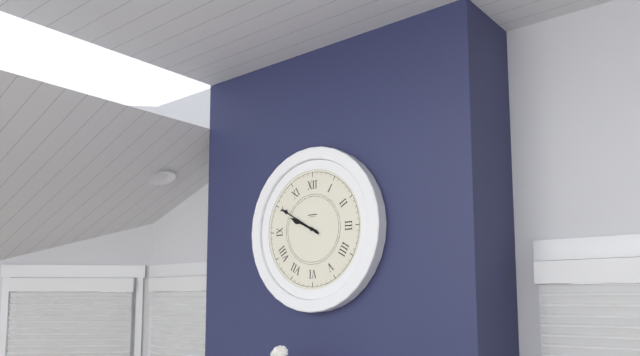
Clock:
{"hour": 9, "minute": 50}
